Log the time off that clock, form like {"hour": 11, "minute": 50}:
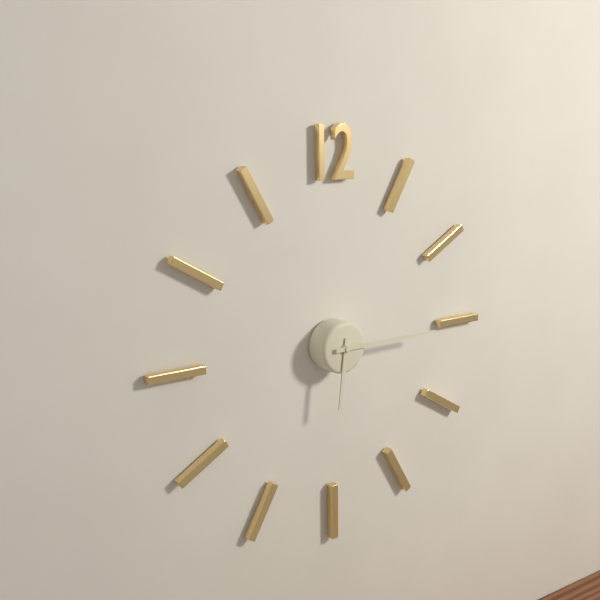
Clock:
{"hour": 6, "minute": 15}
